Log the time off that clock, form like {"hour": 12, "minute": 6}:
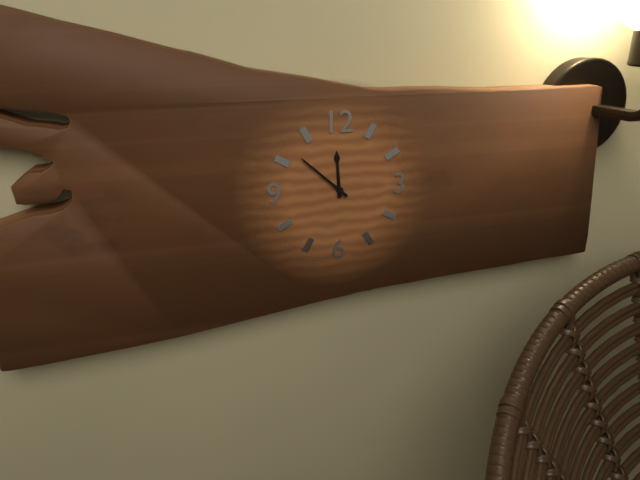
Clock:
{"hour": 11, "minute": 52}
